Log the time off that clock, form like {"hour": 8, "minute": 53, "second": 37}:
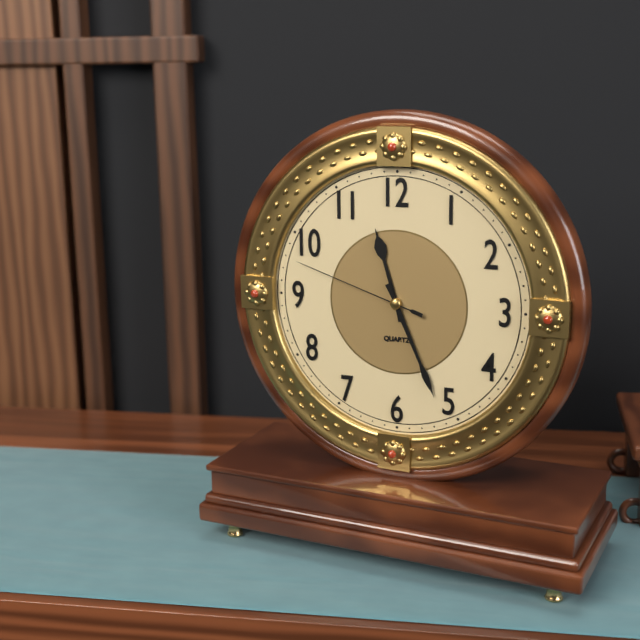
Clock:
{"hour": 11, "minute": 26, "second": 48}
